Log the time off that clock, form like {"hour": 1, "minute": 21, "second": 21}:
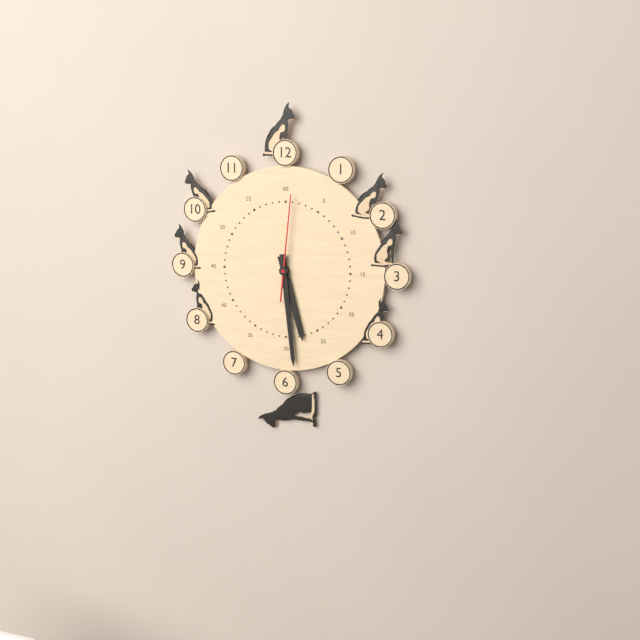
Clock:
{"hour": 5, "minute": 29, "second": 1}
